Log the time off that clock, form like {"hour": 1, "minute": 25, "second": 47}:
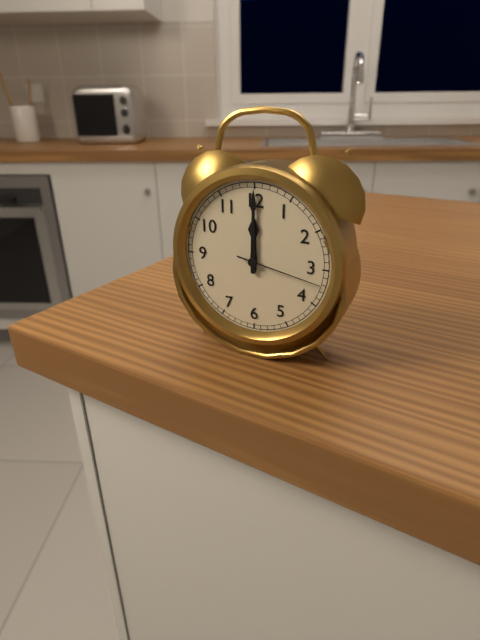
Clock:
{"hour": 12, "minute": 0, "second": 17}
